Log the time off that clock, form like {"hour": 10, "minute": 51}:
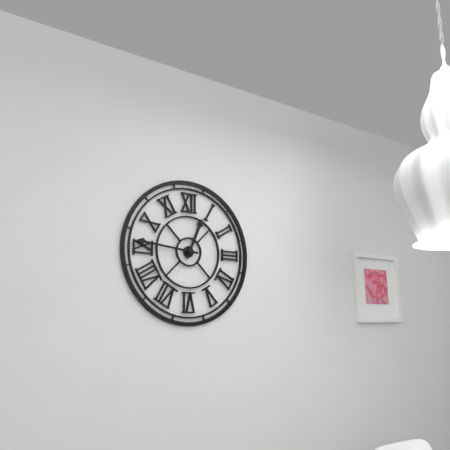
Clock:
{"hour": 12, "minute": 46}
